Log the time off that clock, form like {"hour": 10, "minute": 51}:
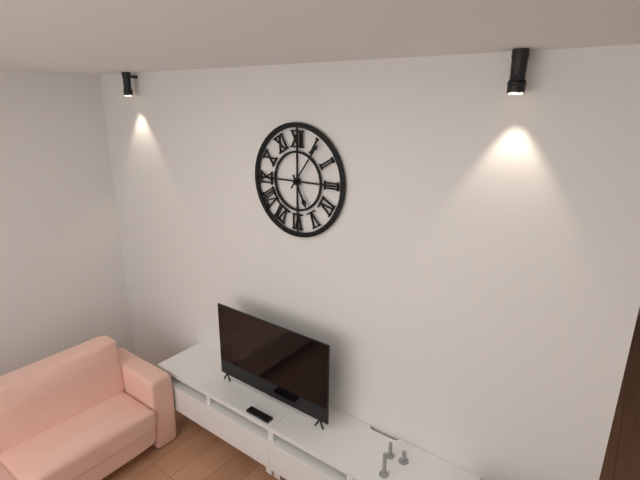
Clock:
{"hour": 5, "minute": 6}
